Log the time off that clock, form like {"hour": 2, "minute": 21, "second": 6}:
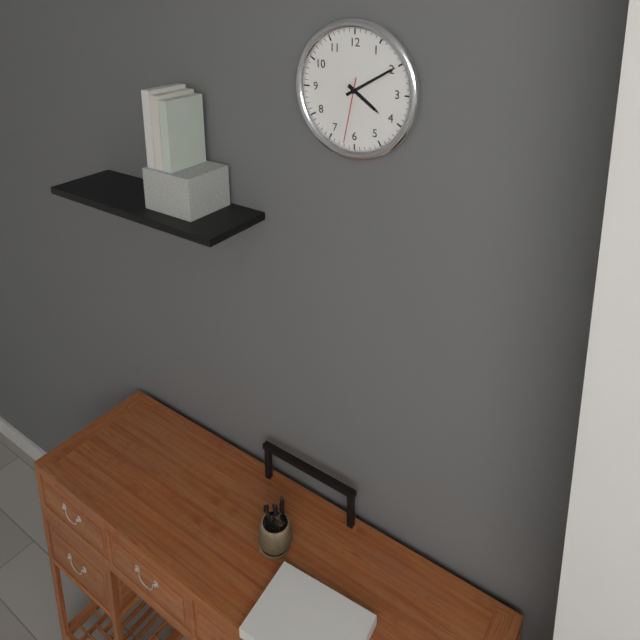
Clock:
{"hour": 4, "minute": 10, "second": 32}
